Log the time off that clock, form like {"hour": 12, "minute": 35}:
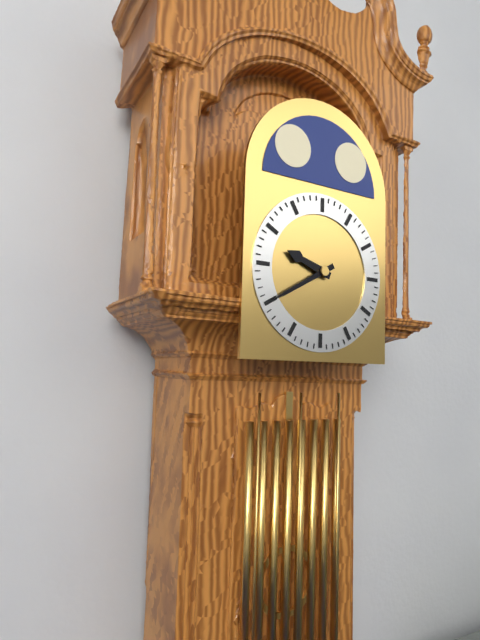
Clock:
{"hour": 9, "minute": 40}
